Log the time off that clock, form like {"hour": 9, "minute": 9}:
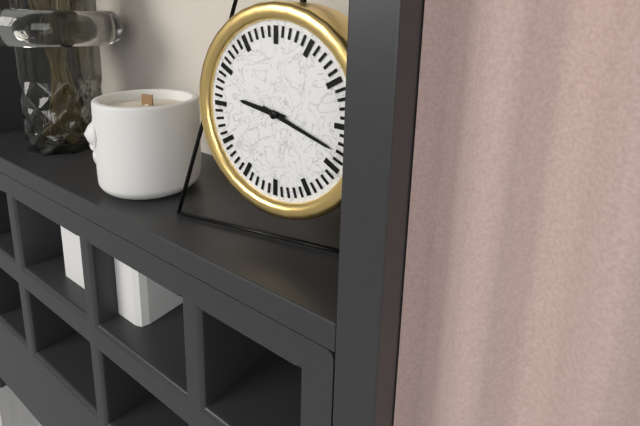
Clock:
{"hour": 9, "minute": 18}
